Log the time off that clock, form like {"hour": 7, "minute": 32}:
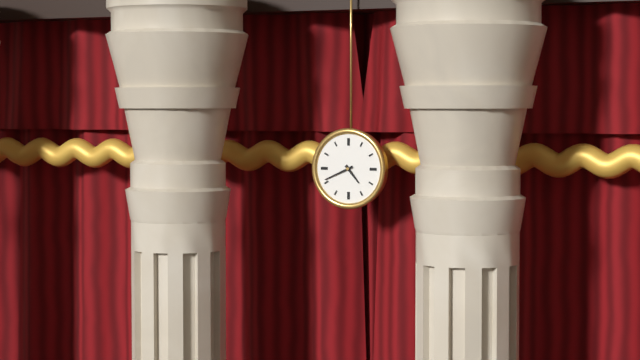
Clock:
{"hour": 4, "minute": 41}
